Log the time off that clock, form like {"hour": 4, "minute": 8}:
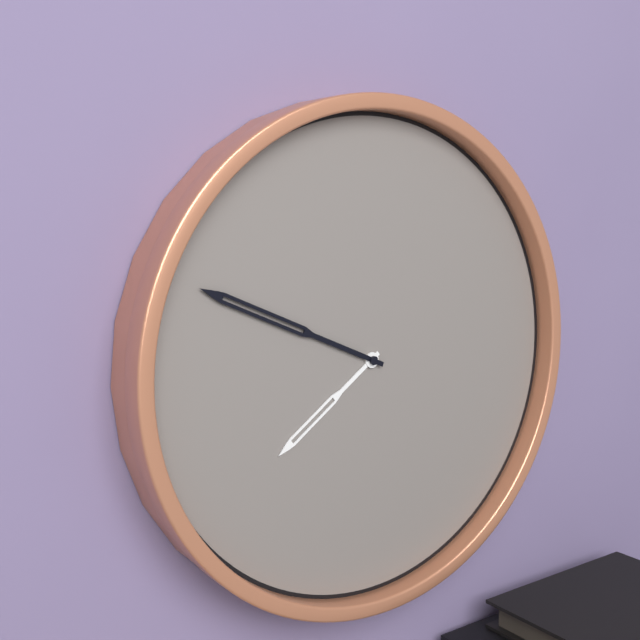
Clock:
{"hour": 7, "minute": 49}
